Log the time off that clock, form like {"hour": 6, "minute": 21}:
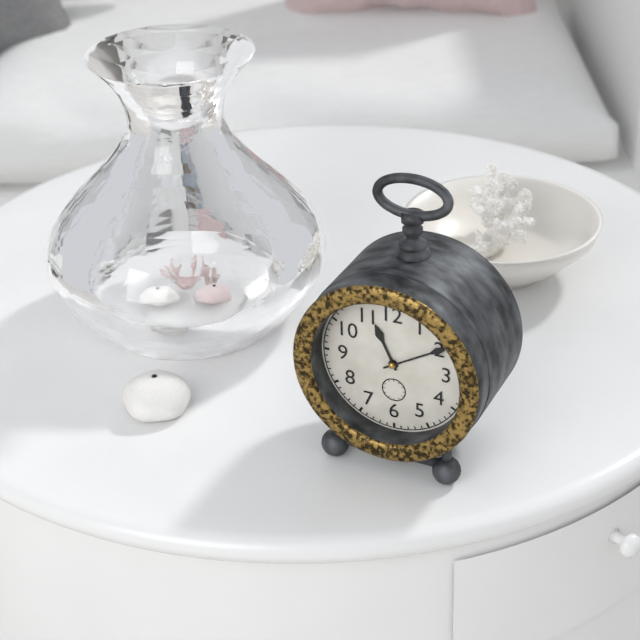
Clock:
{"hour": 11, "minute": 10}
